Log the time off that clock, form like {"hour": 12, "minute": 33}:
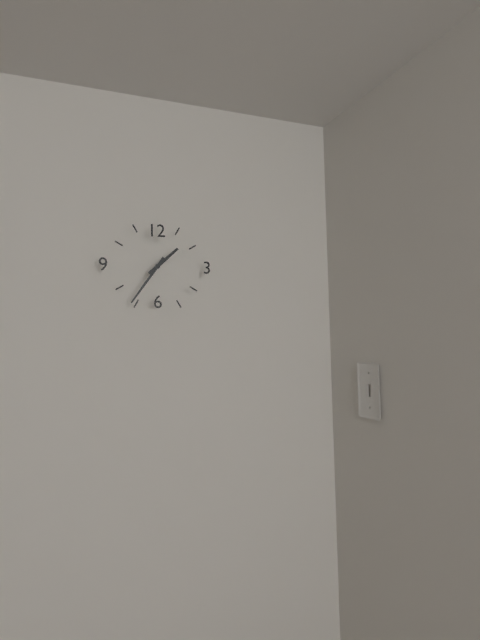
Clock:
{"hour": 1, "minute": 36}
